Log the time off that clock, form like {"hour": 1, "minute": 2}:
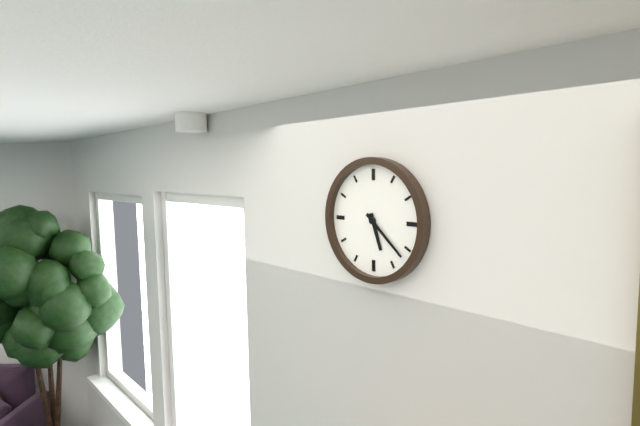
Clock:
{"hour": 5, "minute": 22}
